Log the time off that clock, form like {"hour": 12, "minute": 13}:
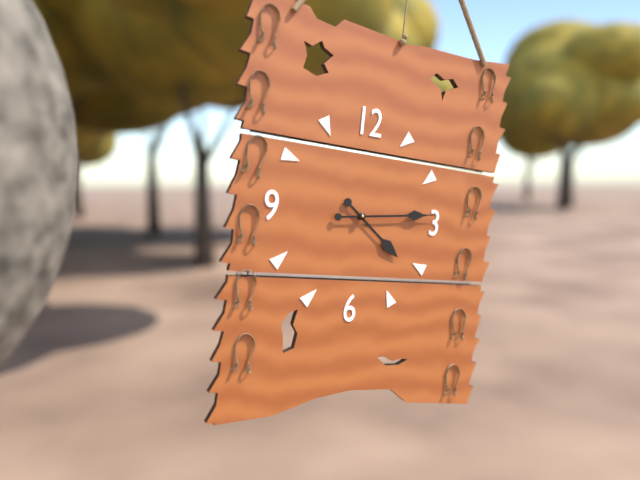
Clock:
{"hour": 4, "minute": 14}
